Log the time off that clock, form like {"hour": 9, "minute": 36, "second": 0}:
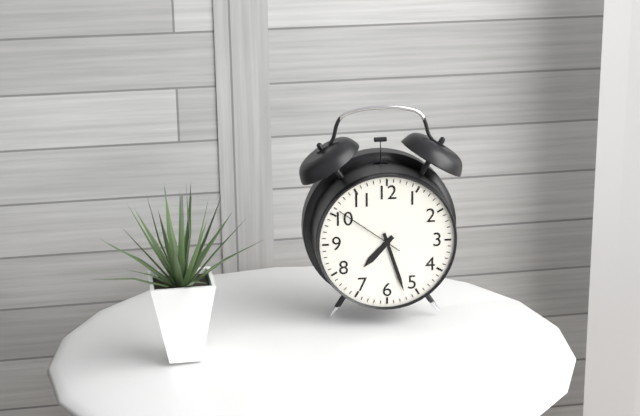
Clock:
{"hour": 7, "minute": 27, "second": 51}
